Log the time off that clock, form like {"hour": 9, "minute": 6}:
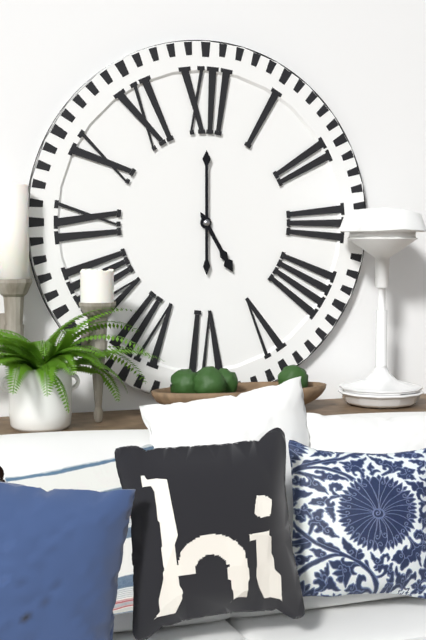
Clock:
{"hour": 5, "minute": 0}
